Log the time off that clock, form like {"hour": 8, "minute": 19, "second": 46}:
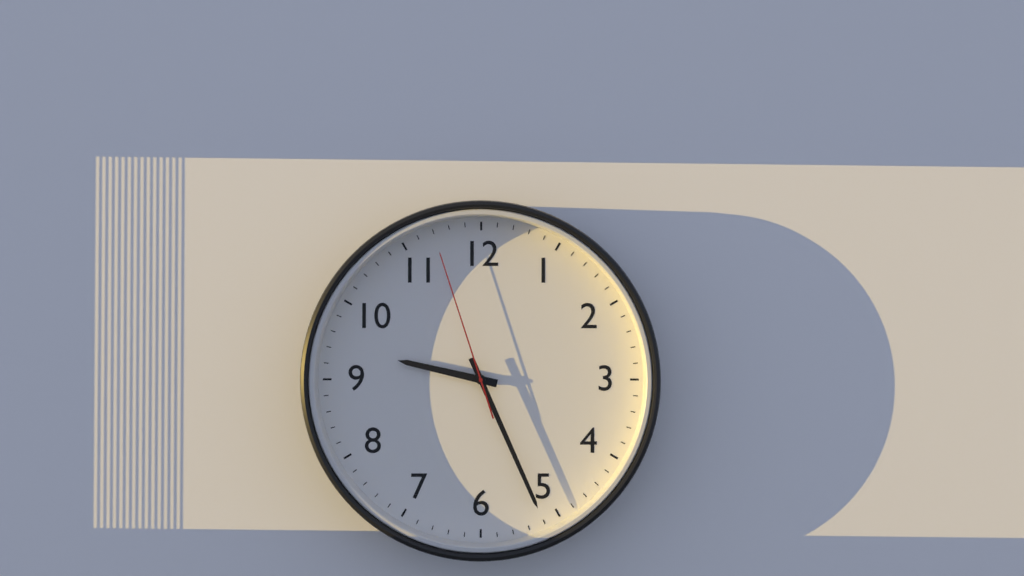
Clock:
{"hour": 9, "minute": 26, "second": 57}
